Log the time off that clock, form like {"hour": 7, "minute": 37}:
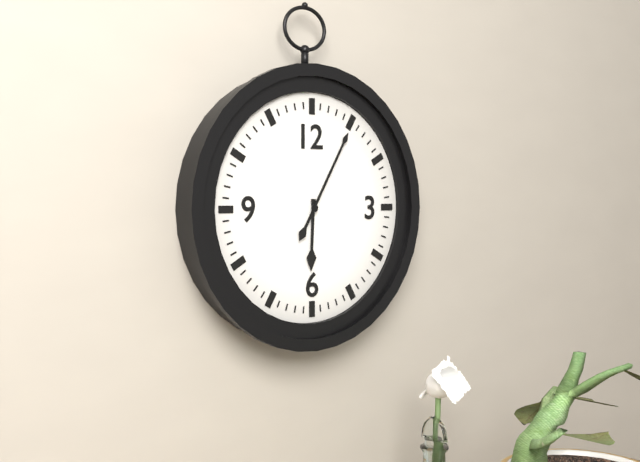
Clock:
{"hour": 6, "minute": 5}
